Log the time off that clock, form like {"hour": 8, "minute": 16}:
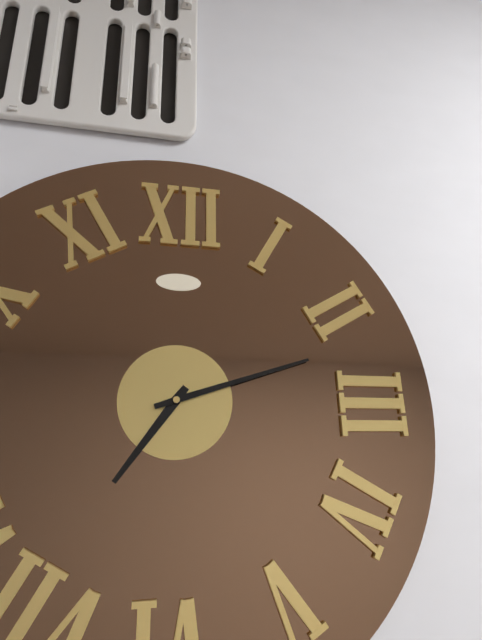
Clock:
{"hour": 7, "minute": 12}
